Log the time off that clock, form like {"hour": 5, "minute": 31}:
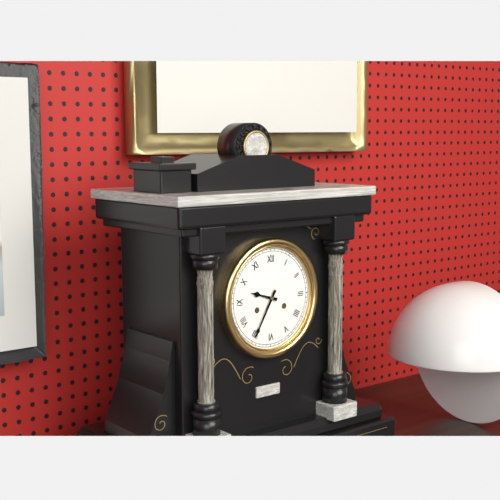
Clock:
{"hour": 9, "minute": 35}
